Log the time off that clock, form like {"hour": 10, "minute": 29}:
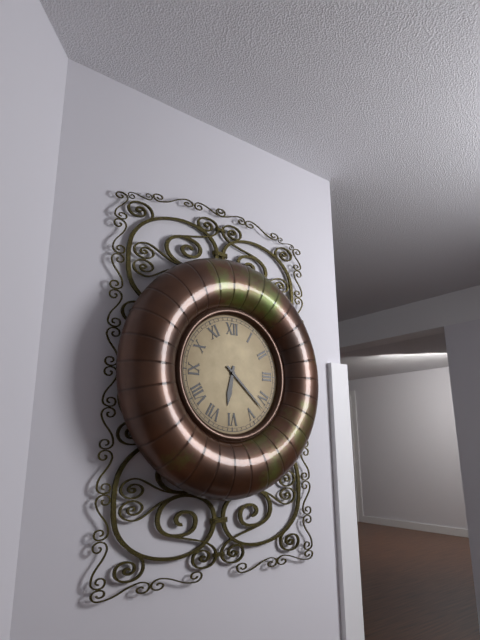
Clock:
{"hour": 6, "minute": 22}
